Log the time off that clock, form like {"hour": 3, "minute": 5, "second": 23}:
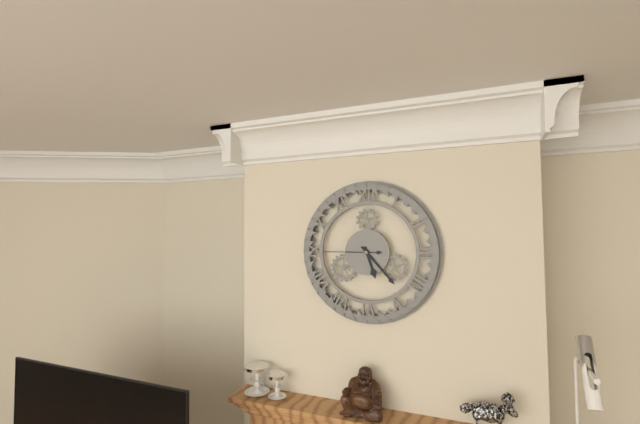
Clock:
{"hour": 5, "minute": 23, "second": 45}
